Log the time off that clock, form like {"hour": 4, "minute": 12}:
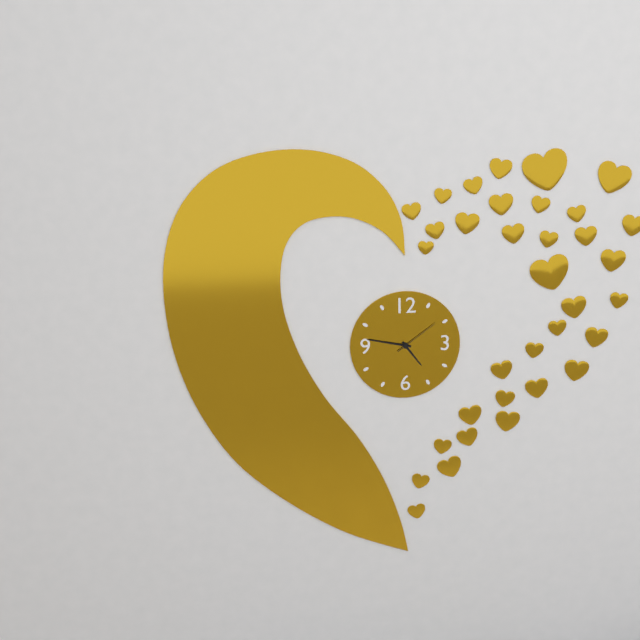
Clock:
{"hour": 4, "minute": 47}
